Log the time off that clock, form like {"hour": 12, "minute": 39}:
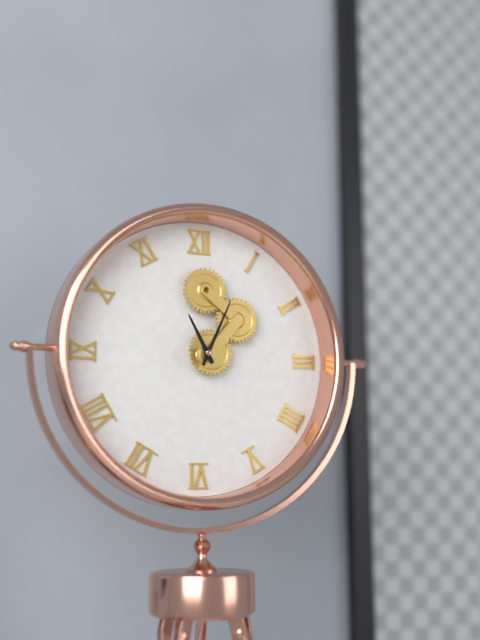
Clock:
{"hour": 11, "minute": 4}
